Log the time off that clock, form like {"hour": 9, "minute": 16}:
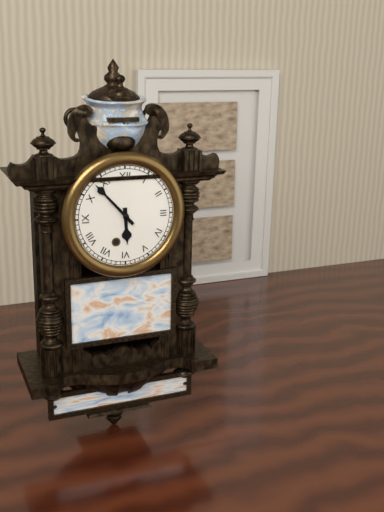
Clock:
{"hour": 5, "minute": 53}
